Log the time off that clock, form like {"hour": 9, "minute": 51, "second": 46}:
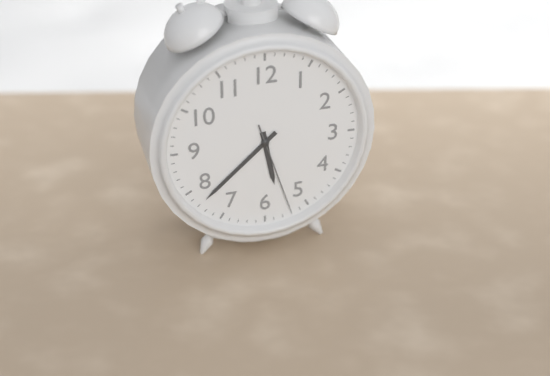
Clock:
{"hour": 5, "minute": 38, "second": 27}
